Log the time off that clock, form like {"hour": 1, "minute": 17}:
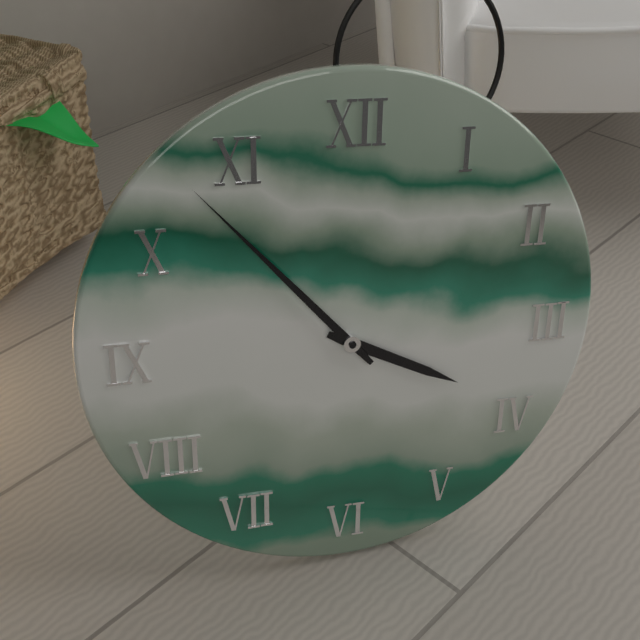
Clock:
{"hour": 3, "minute": 53}
